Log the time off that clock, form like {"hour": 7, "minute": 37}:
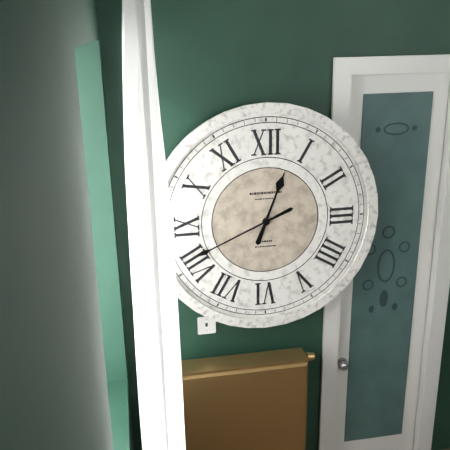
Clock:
{"hour": 12, "minute": 41}
